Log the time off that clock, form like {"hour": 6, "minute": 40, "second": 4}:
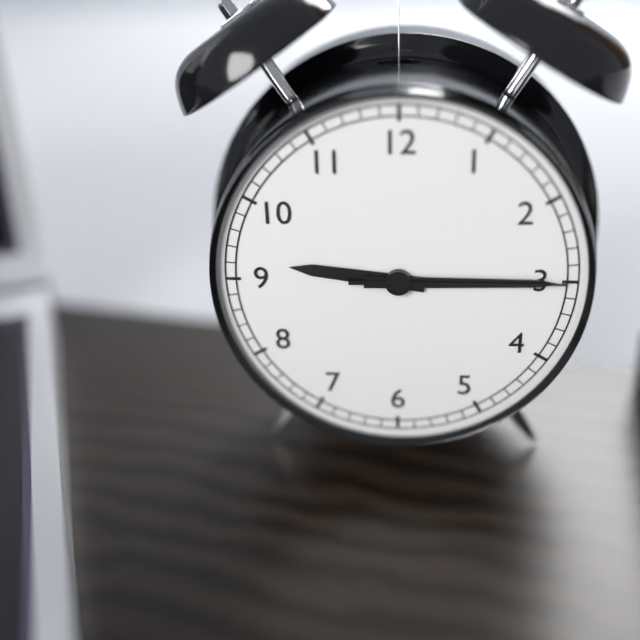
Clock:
{"hour": 9, "minute": 15, "second": 15}
